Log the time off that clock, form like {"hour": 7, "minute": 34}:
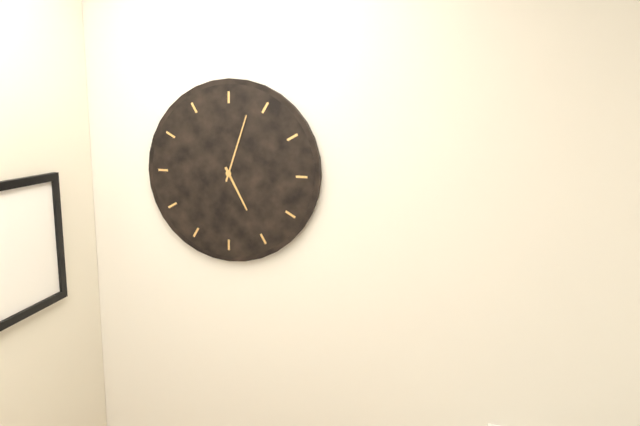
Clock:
{"hour": 5, "minute": 3}
